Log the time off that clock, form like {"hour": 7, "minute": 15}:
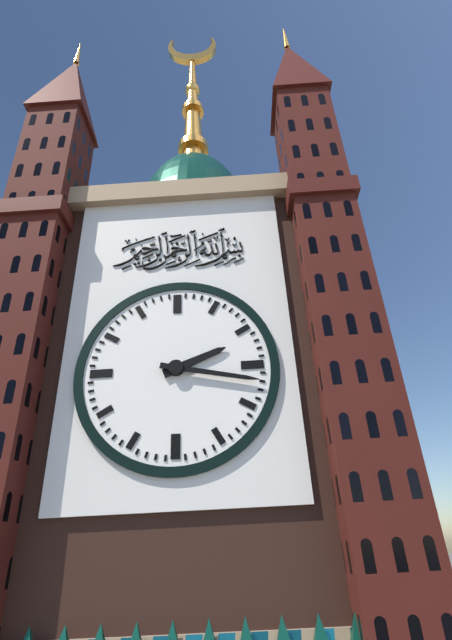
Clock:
{"hour": 2, "minute": 17}
